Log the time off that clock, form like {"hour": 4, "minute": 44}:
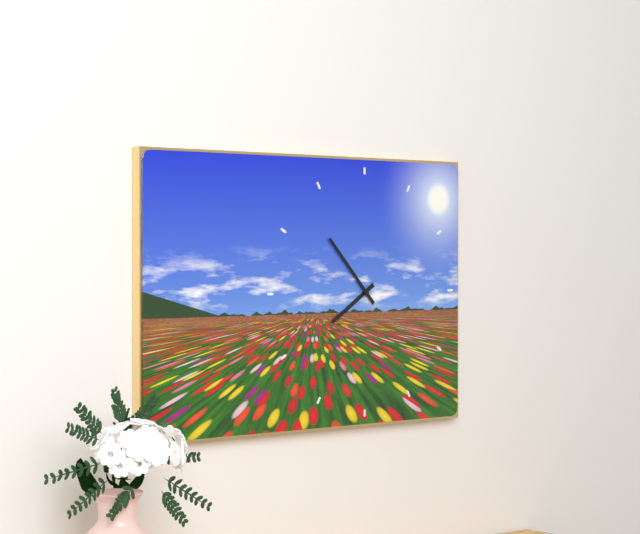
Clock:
{"hour": 7, "minute": 53}
